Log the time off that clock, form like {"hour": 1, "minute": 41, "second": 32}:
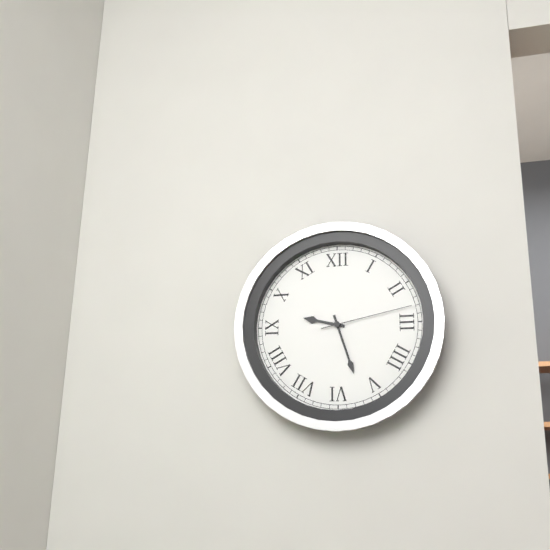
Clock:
{"hour": 9, "minute": 27, "second": 13}
